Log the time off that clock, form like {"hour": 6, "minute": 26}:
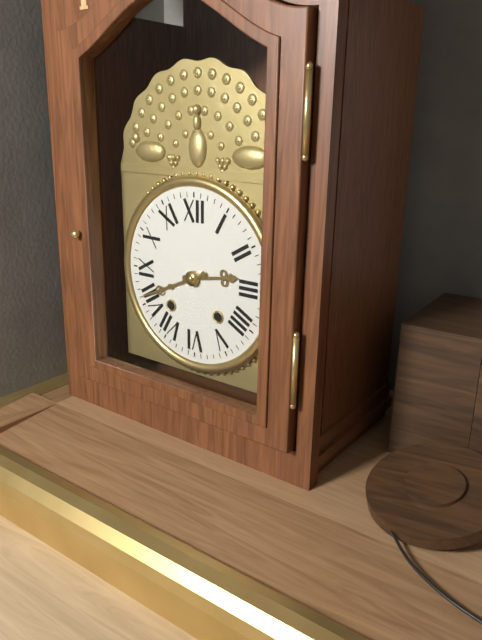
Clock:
{"hour": 2, "minute": 41}
